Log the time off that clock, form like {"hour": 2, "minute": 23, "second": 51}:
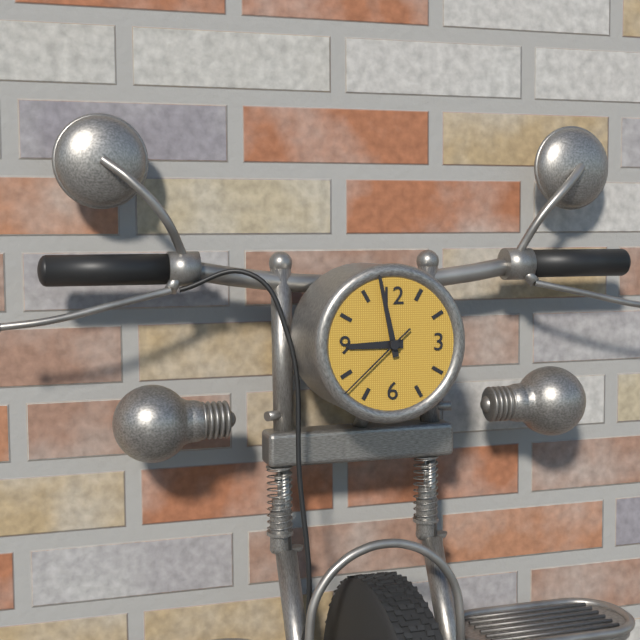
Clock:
{"hour": 8, "minute": 58, "second": 38}
